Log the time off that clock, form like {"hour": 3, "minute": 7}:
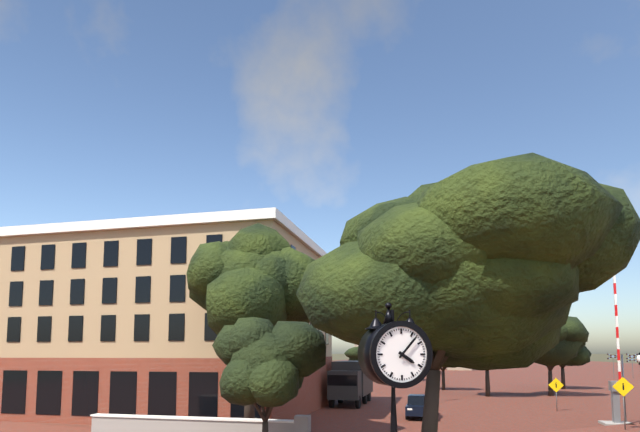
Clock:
{"hour": 4, "minute": 7}
